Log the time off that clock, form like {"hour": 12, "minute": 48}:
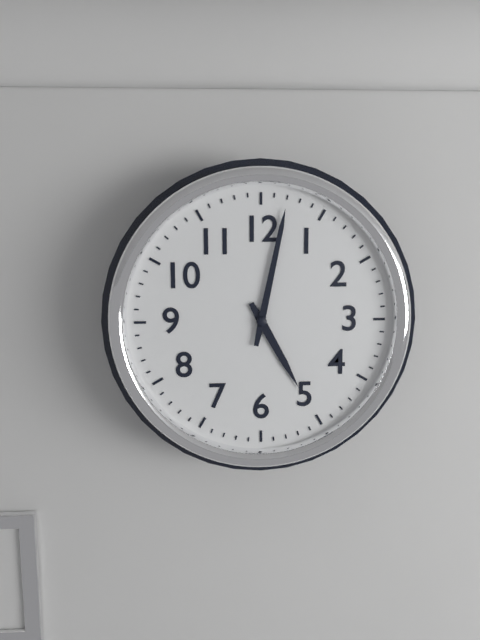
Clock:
{"hour": 5, "minute": 2}
